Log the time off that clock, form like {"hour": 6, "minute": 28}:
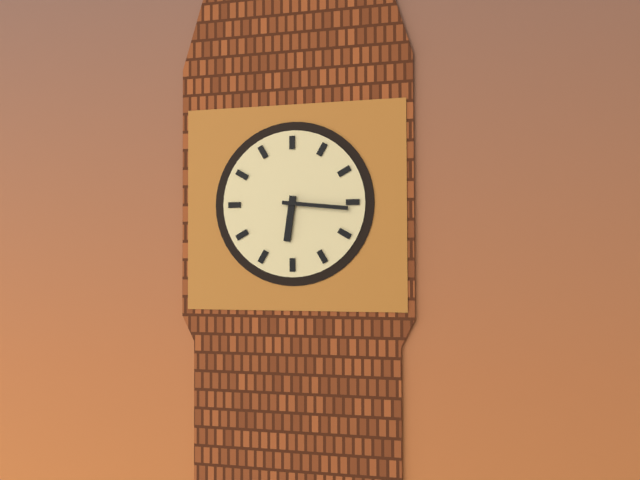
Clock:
{"hour": 6, "minute": 16}
